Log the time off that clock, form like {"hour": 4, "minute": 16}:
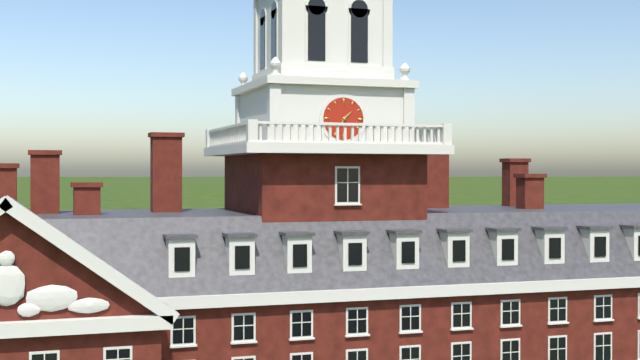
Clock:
{"hour": 1, "minute": 35}
